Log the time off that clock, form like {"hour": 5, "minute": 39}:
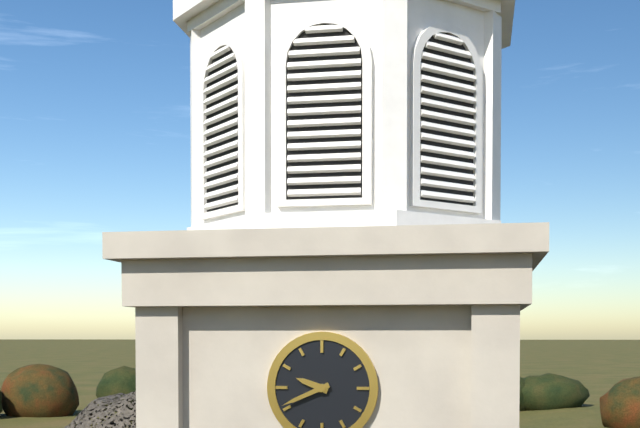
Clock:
{"hour": 9, "minute": 41}
